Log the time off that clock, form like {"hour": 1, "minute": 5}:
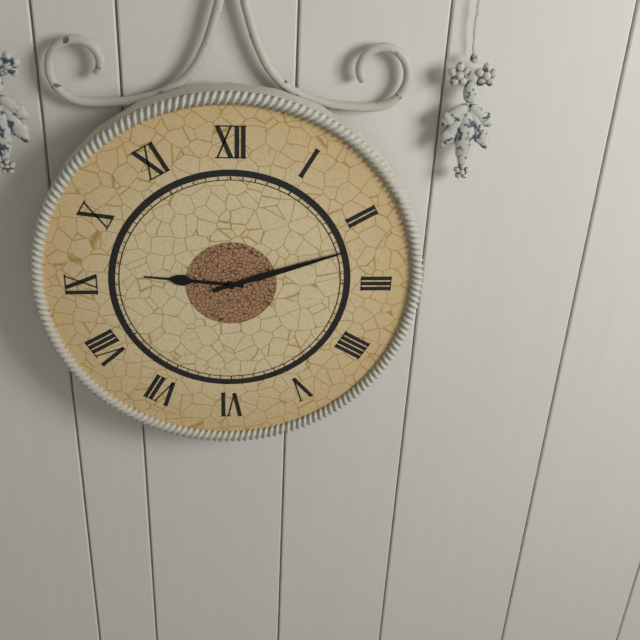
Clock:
{"hour": 9, "minute": 12}
